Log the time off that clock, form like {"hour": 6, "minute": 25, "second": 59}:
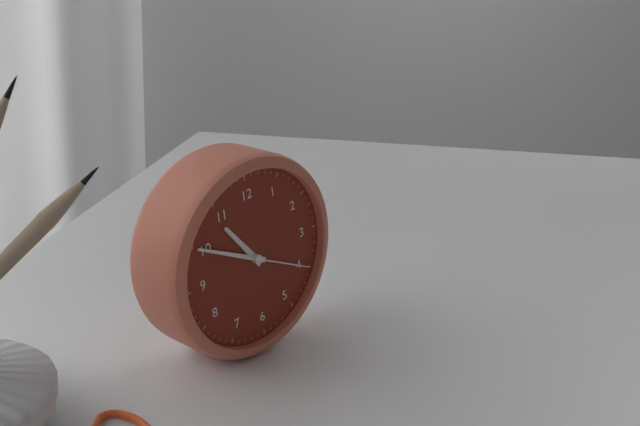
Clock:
{"hour": 10, "minute": 50, "second": 20}
